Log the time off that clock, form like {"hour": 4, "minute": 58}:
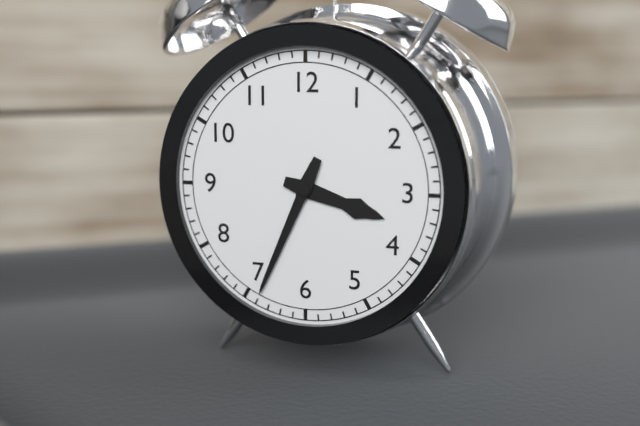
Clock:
{"hour": 3, "minute": 34}
